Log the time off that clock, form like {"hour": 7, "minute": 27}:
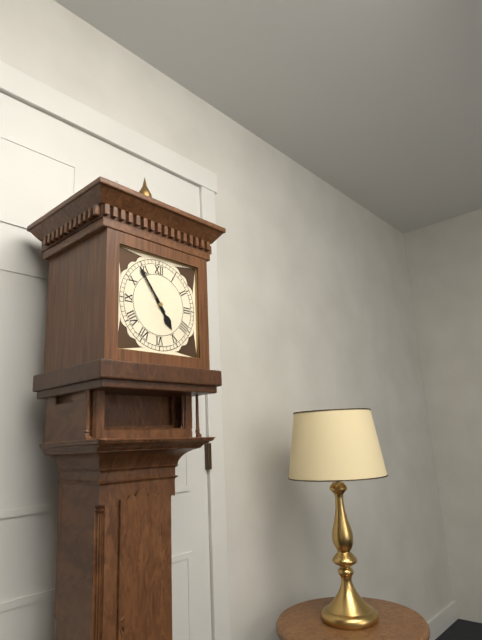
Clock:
{"hour": 4, "minute": 54}
